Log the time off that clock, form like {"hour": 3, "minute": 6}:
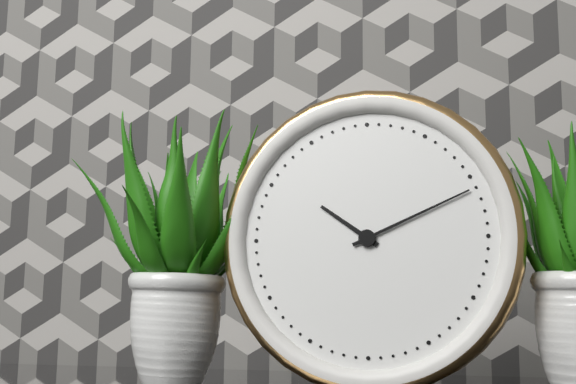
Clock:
{"hour": 10, "minute": 11}
